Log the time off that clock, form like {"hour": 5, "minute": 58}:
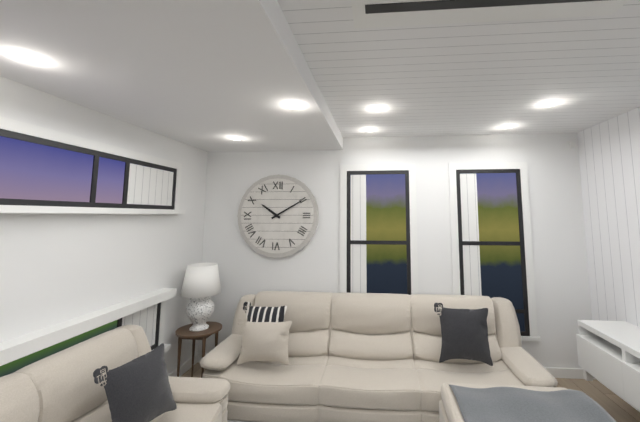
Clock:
{"hour": 10, "minute": 10}
